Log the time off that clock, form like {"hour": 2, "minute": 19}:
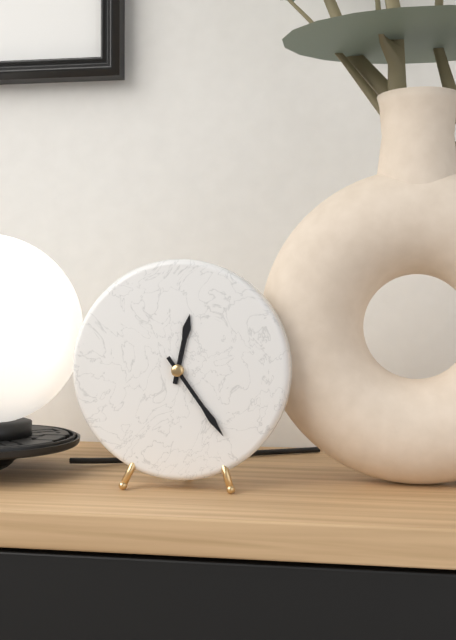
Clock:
{"hour": 12, "minute": 24}
